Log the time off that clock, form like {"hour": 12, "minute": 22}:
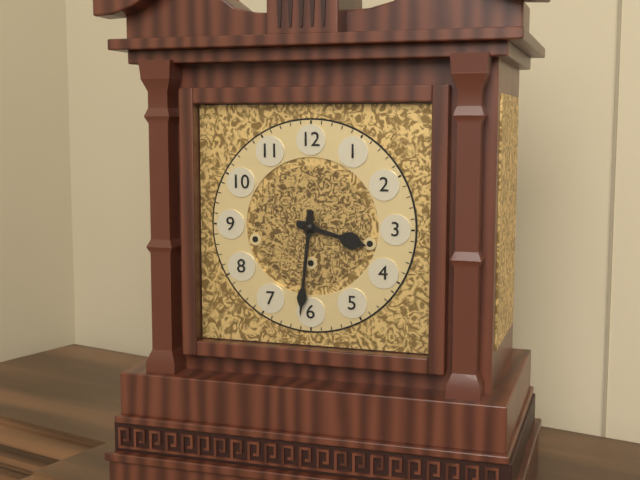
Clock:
{"hour": 3, "minute": 31}
